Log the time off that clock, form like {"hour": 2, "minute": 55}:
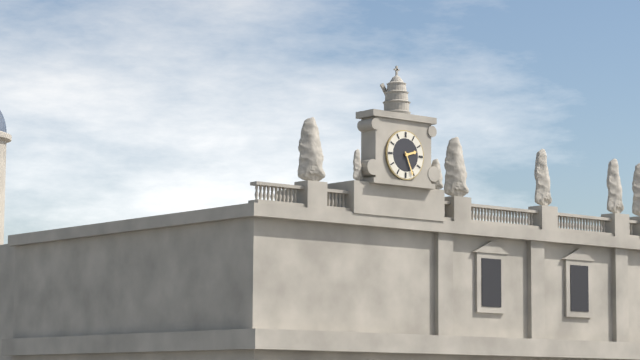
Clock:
{"hour": 2, "minute": 26}
